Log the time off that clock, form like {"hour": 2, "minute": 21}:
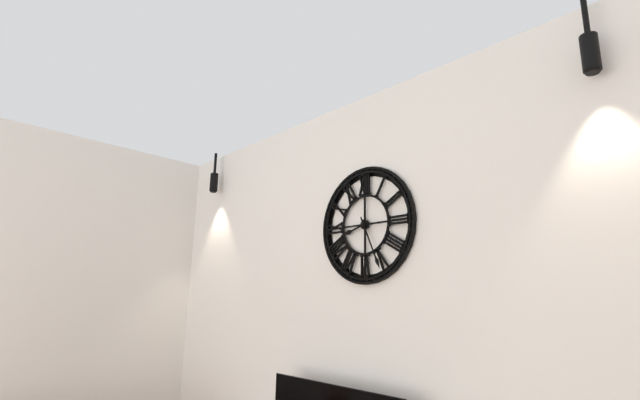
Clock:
{"hour": 8, "minute": 26}
